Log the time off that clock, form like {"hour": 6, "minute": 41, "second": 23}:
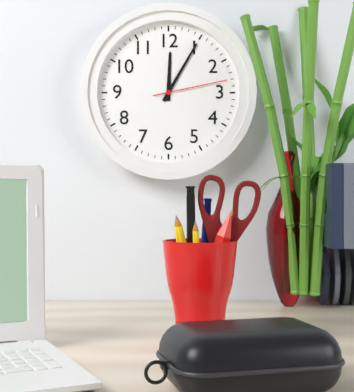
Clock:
{"hour": 12, "minute": 5, "second": 13}
